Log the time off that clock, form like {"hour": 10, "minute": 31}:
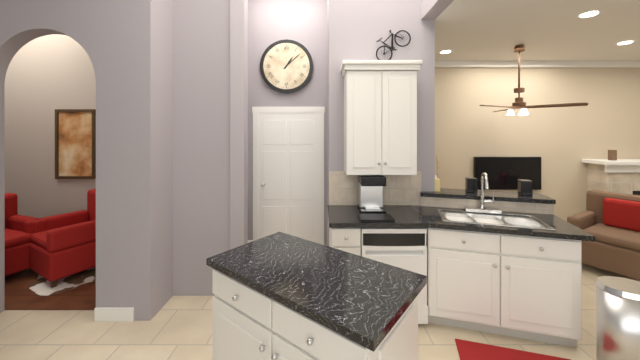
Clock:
{"hour": 1, "minute": 8}
